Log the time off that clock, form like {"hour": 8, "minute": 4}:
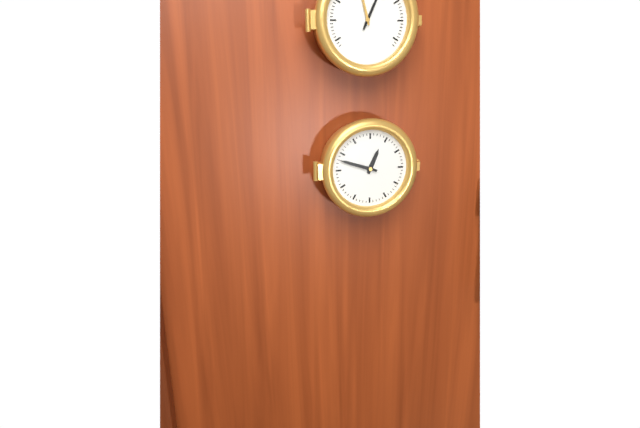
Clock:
{"hour": 12, "minute": 48}
